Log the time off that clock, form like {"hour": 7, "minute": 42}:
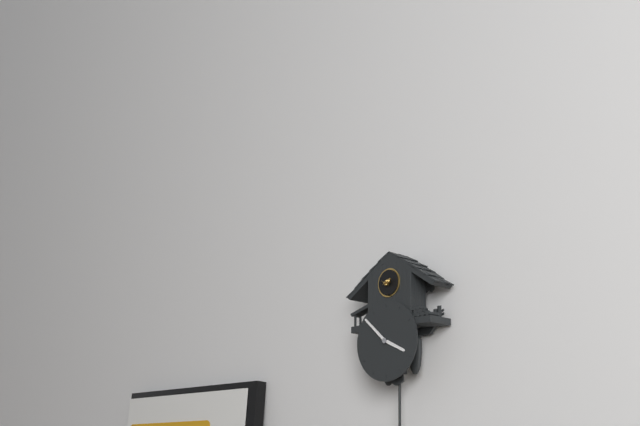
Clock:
{"hour": 3, "minute": 52}
